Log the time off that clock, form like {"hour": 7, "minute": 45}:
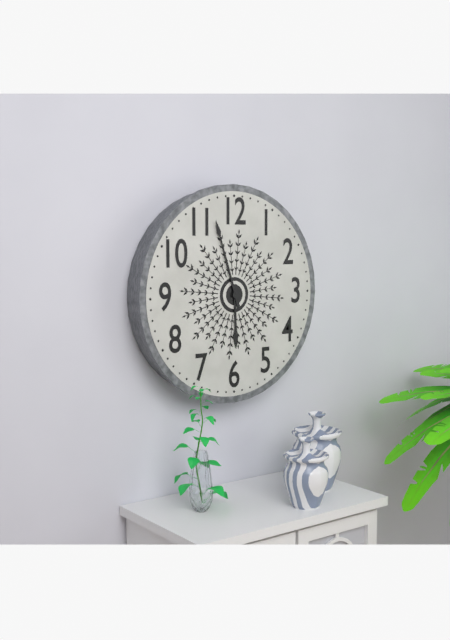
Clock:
{"hour": 5, "minute": 57}
